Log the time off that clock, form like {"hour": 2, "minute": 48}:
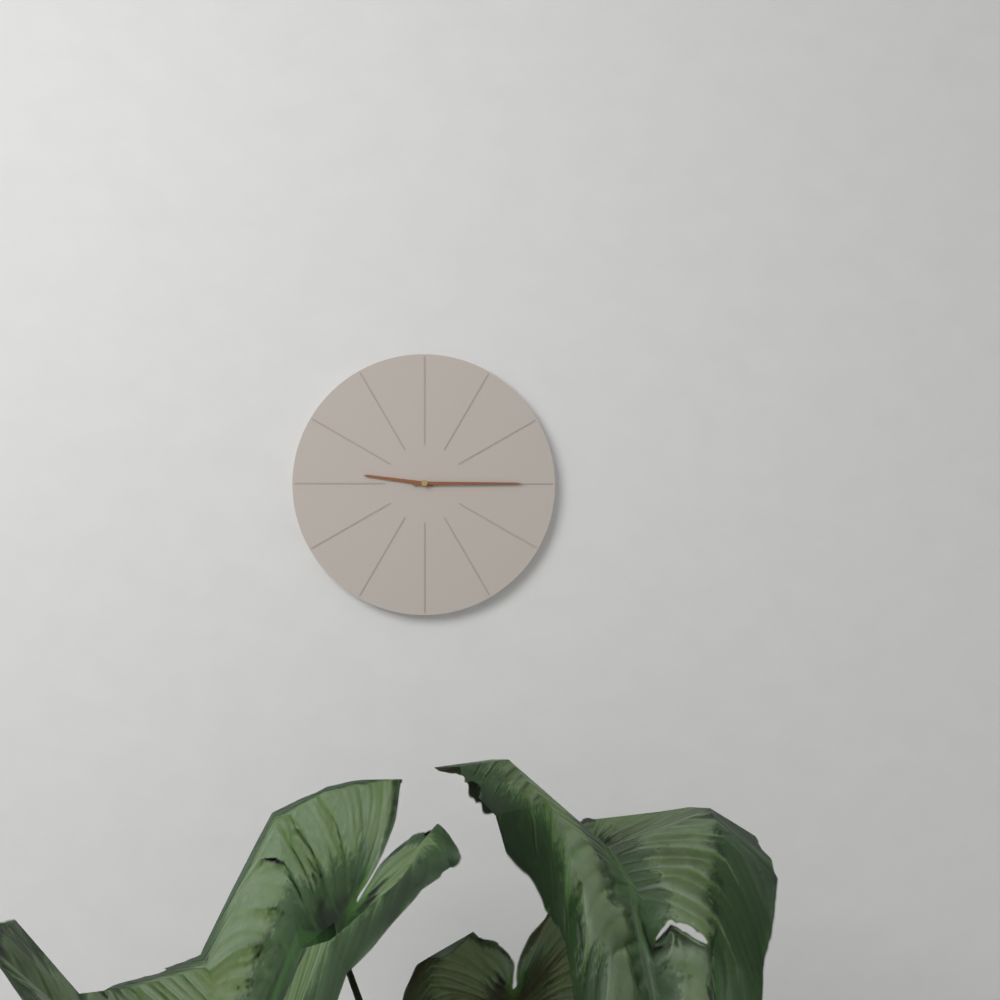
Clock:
{"hour": 9, "minute": 15}
